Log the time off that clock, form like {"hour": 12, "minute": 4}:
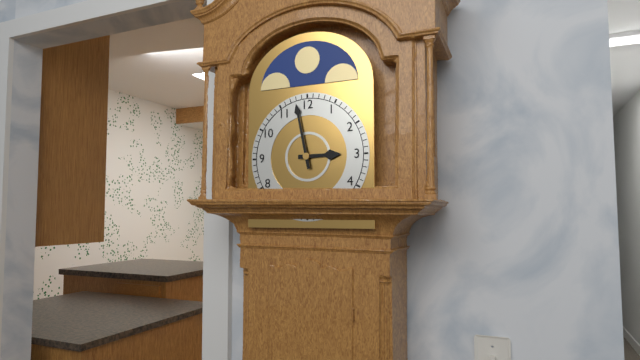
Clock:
{"hour": 2, "minute": 58}
